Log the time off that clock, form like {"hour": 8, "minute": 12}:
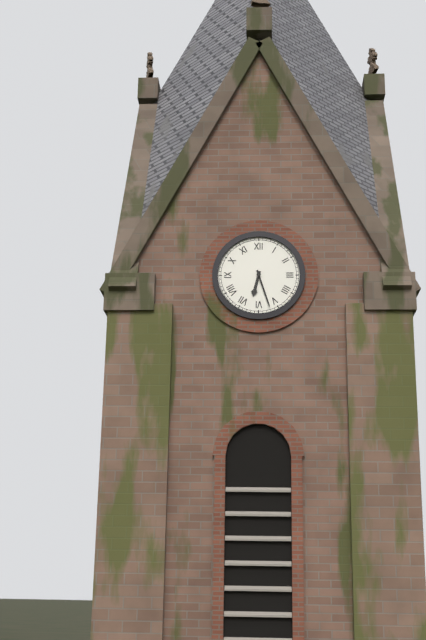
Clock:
{"hour": 6, "minute": 27}
